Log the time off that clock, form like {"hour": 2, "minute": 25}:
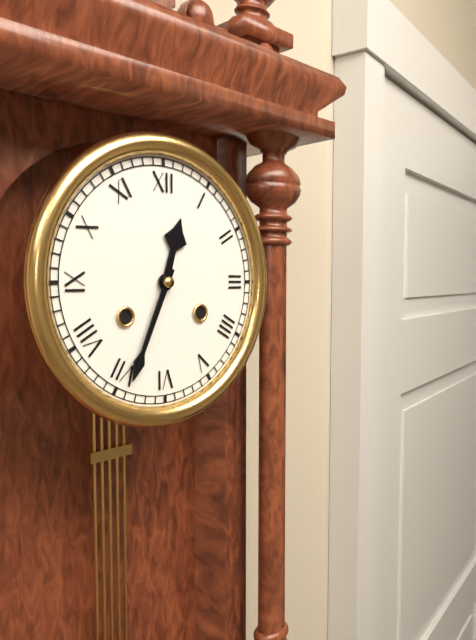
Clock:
{"hour": 12, "minute": 34}
